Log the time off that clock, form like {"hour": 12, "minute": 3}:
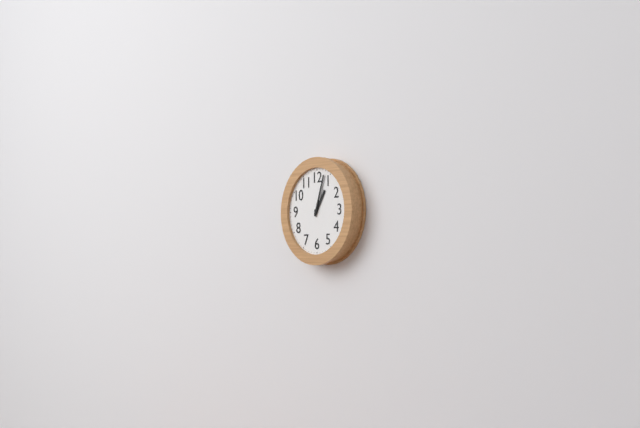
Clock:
{"hour": 1, "minute": 3}
